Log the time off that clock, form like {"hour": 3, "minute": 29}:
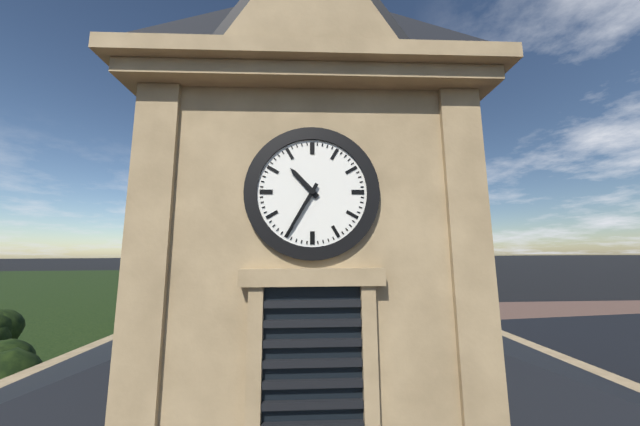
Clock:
{"hour": 10, "minute": 35}
